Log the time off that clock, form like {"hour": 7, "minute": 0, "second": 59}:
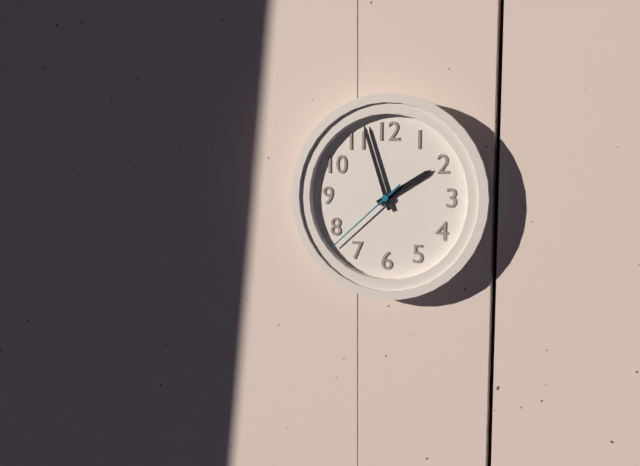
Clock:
{"hour": 1, "minute": 57, "second": 38}
